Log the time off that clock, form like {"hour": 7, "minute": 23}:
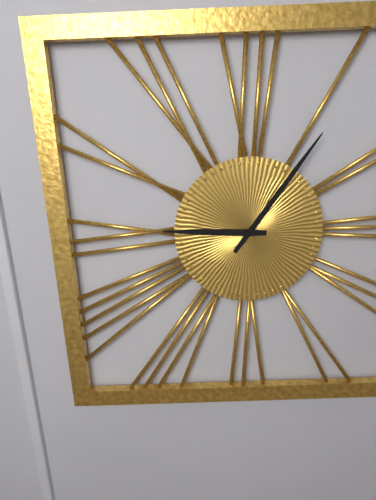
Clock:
{"hour": 9, "minute": 6}
